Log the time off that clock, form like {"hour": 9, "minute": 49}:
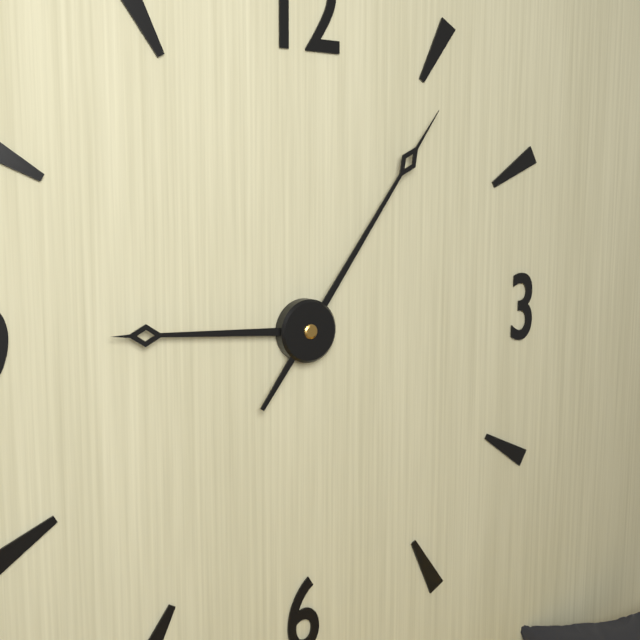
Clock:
{"hour": 9, "minute": 6}
